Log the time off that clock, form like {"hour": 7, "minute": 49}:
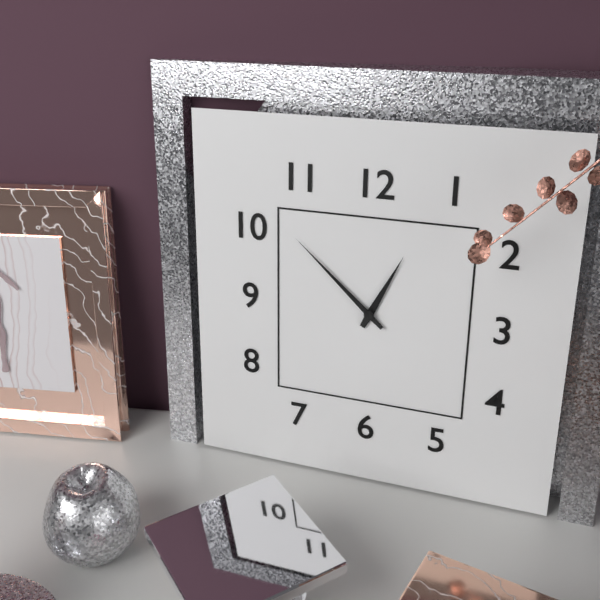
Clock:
{"hour": 12, "minute": 52}
